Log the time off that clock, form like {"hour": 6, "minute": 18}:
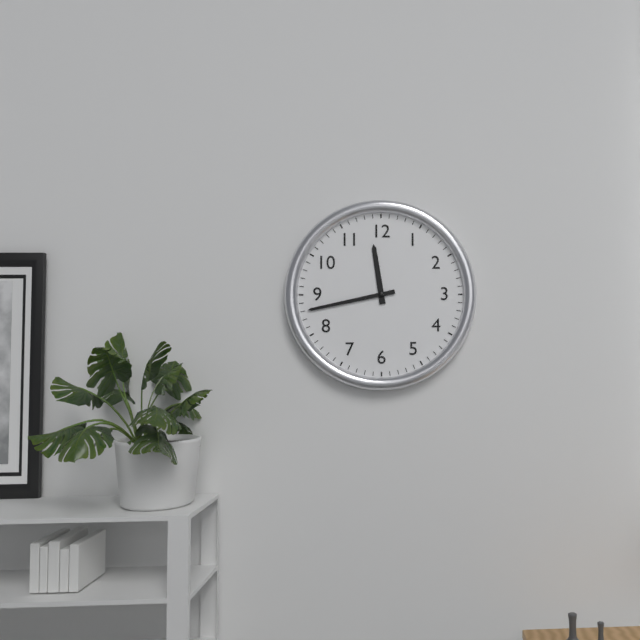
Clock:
{"hour": 11, "minute": 43}
